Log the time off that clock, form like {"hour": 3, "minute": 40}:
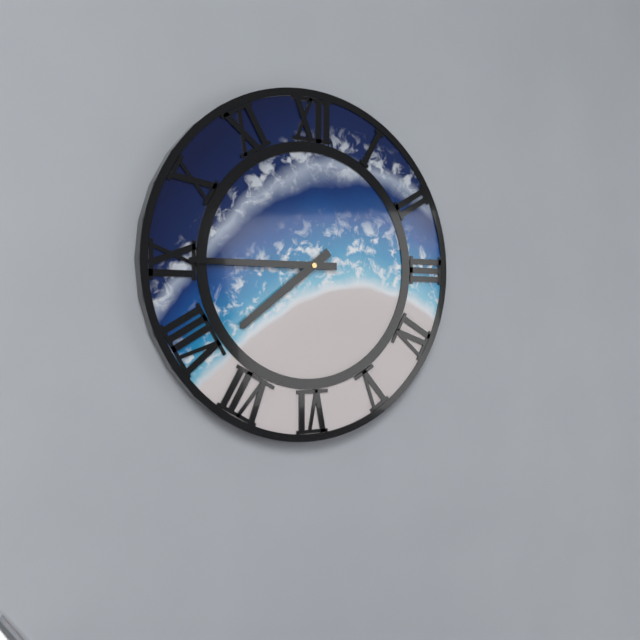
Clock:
{"hour": 7, "minute": 45}
